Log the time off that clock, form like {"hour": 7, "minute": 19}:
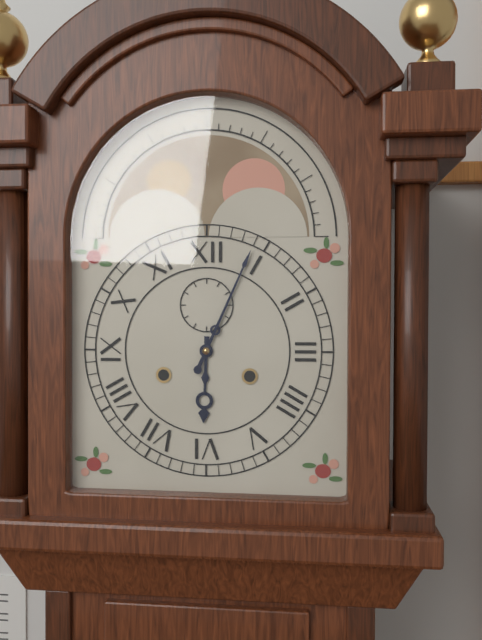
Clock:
{"hour": 6, "minute": 4}
